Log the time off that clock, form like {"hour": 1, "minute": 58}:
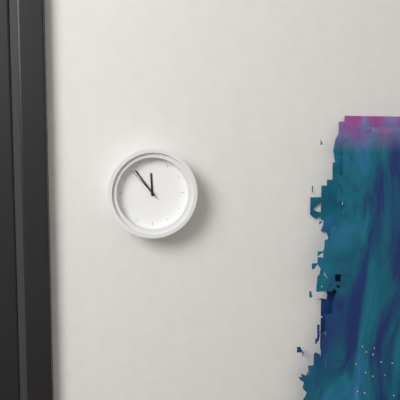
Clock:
{"hour": 11, "minute": 54}
